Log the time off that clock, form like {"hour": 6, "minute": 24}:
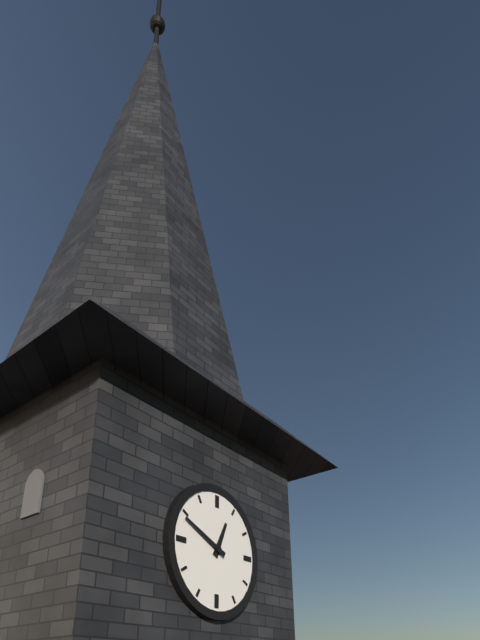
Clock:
{"hour": 12, "minute": 49}
